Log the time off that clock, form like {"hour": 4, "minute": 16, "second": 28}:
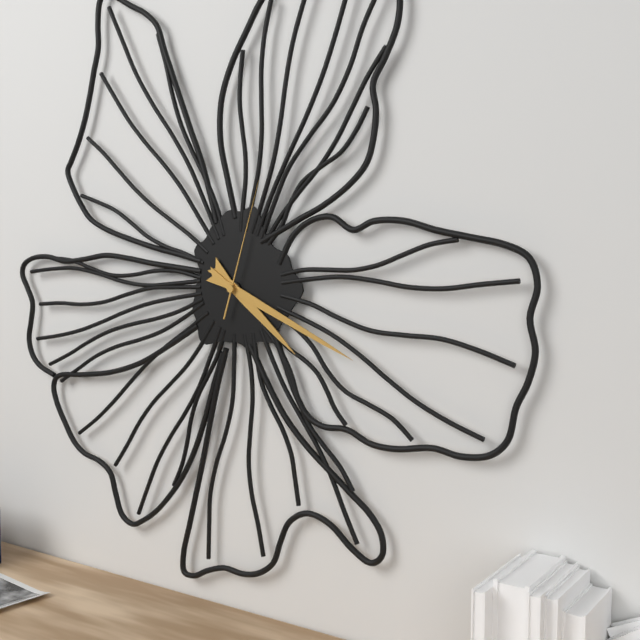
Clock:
{"hour": 4, "minute": 19, "second": 3}
